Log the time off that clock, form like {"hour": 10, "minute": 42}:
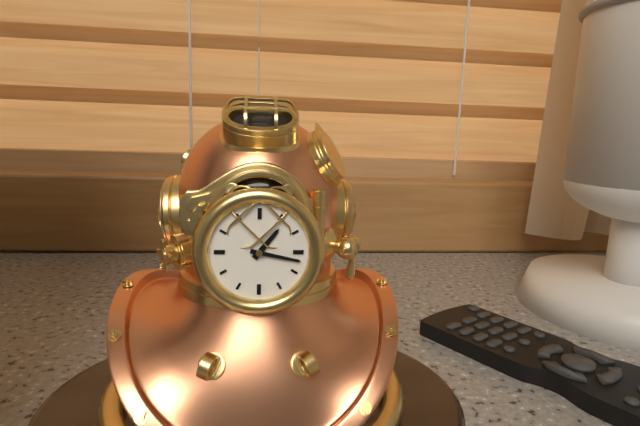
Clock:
{"hour": 1, "minute": 17}
